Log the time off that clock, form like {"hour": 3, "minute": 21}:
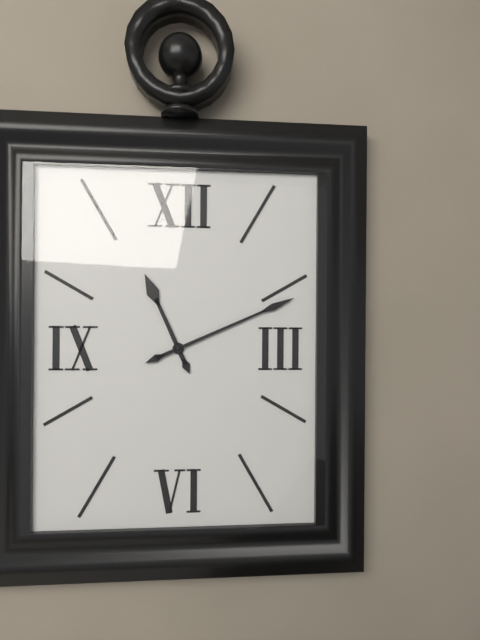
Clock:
{"hour": 11, "minute": 11}
